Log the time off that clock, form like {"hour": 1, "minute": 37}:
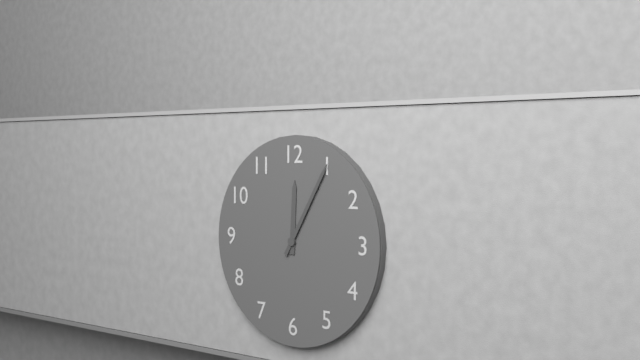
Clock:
{"hour": 12, "minute": 5}
